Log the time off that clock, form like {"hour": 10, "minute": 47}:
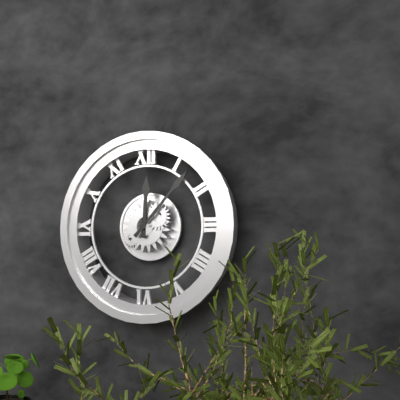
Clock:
{"hour": 12, "minute": 7}
